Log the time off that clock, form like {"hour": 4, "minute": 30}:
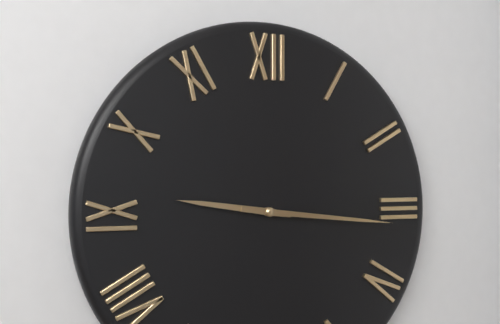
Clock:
{"hour": 9, "minute": 16}
